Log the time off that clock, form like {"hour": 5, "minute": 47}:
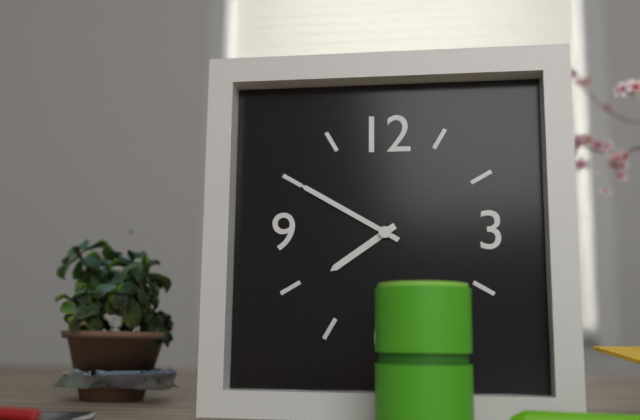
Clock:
{"hour": 7, "minute": 50}
